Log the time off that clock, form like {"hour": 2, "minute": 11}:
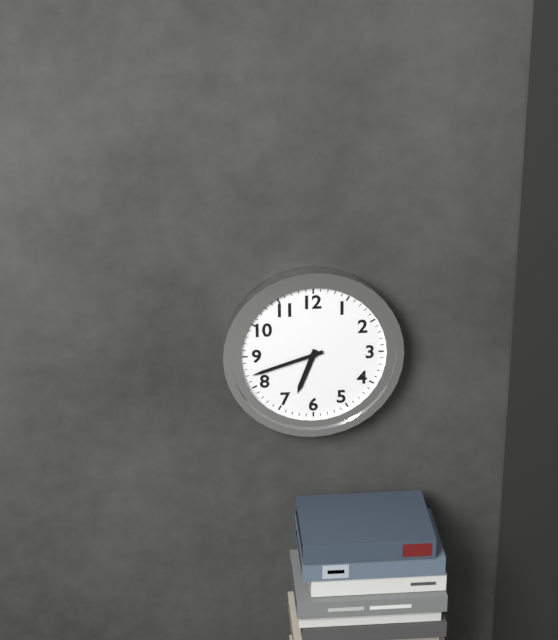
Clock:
{"hour": 6, "minute": 42}
